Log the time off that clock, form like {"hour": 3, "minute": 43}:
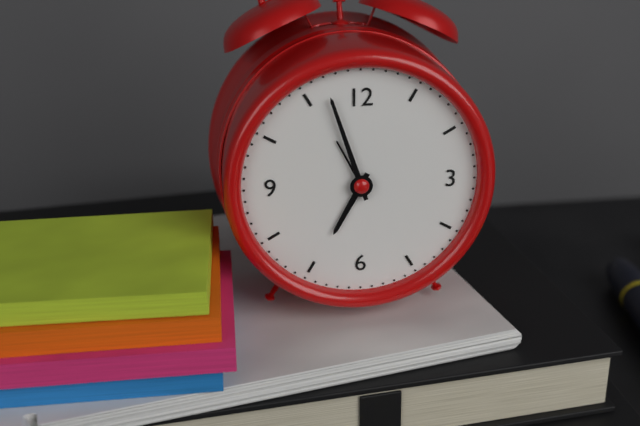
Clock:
{"hour": 6, "minute": 57}
